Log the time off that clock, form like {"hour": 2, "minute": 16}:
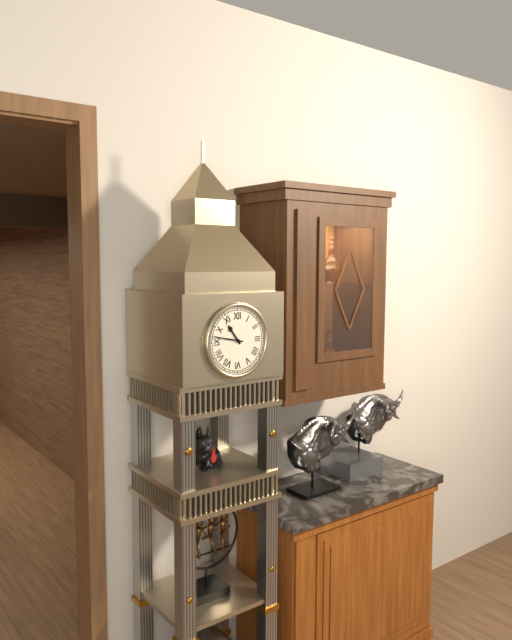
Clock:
{"hour": 10, "minute": 47}
